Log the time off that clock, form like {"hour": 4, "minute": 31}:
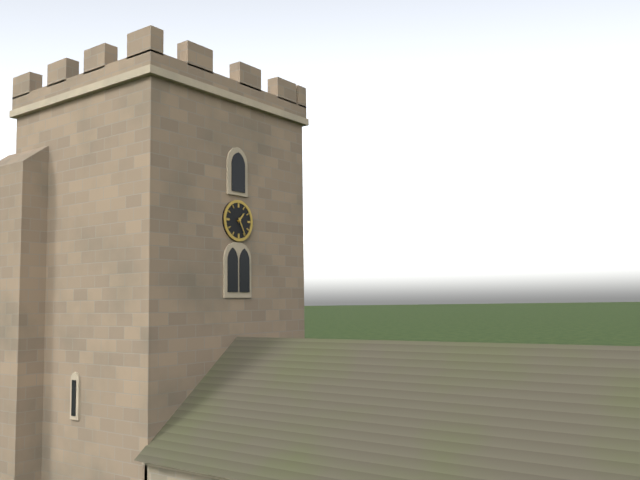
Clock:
{"hour": 1, "minute": 25}
